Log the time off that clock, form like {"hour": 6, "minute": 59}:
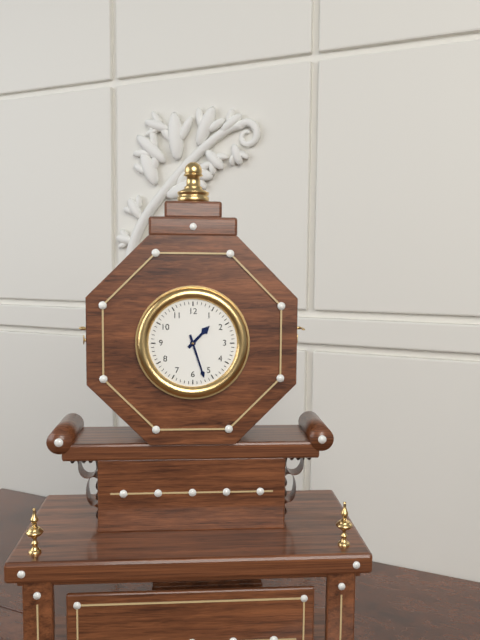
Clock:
{"hour": 1, "minute": 27}
